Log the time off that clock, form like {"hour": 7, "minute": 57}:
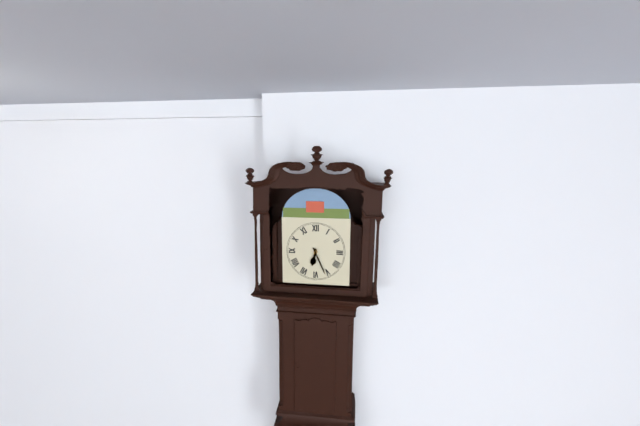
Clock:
{"hour": 6, "minute": 26}
